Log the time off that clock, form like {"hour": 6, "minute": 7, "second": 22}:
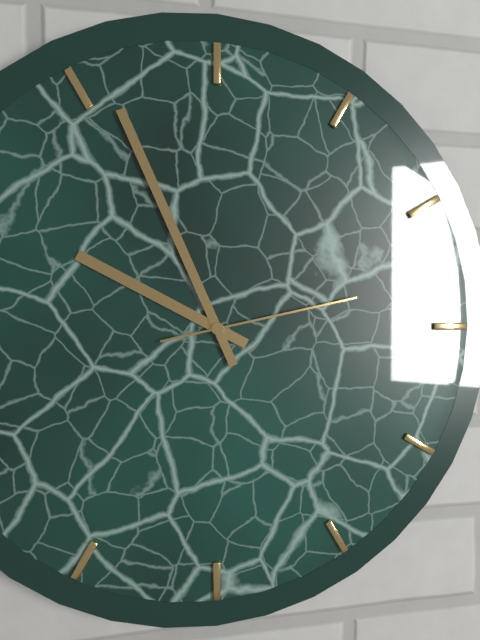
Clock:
{"hour": 9, "minute": 56, "second": 13}
